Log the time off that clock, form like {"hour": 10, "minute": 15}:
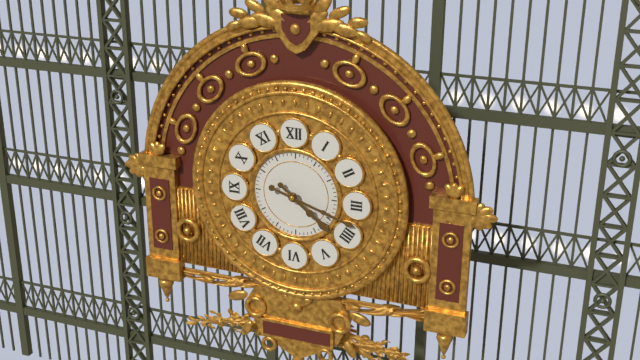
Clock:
{"hour": 4, "minute": 18}
